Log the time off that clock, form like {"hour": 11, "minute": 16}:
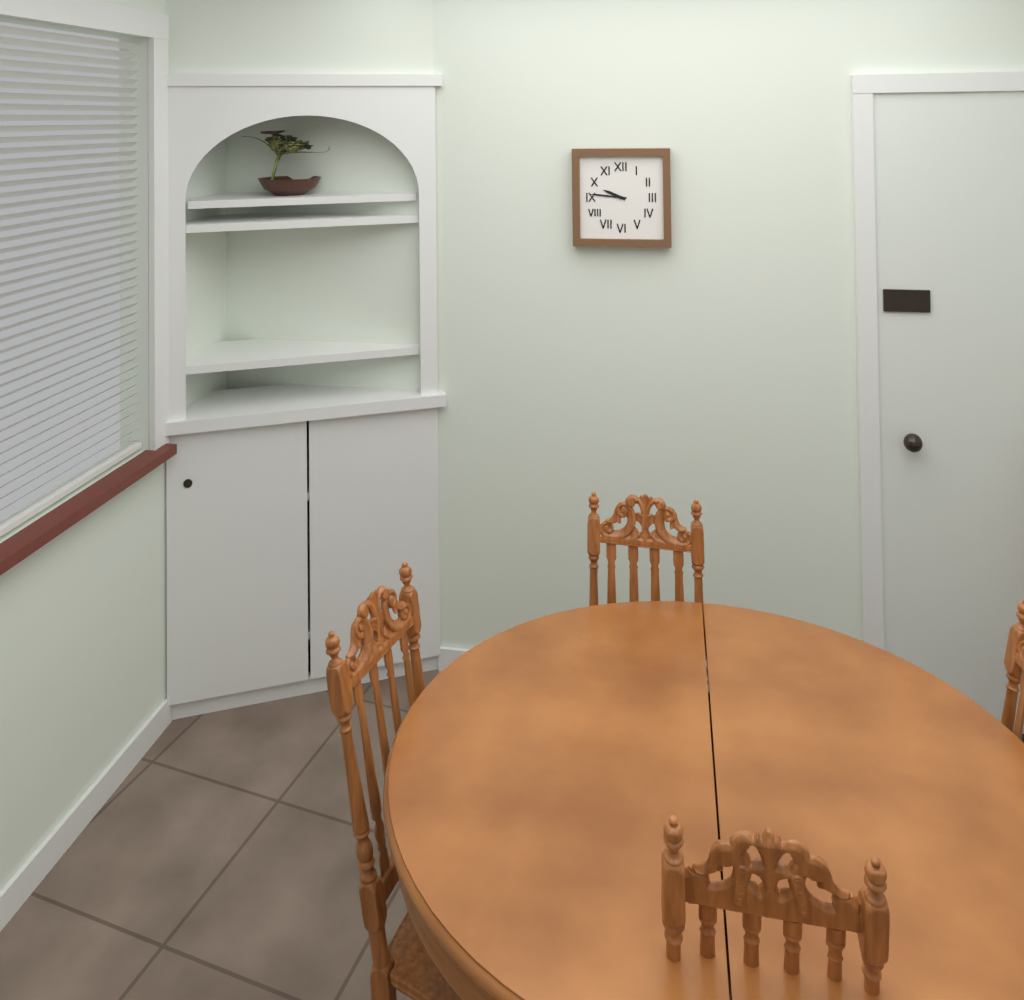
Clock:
{"hour": 9, "minute": 46}
